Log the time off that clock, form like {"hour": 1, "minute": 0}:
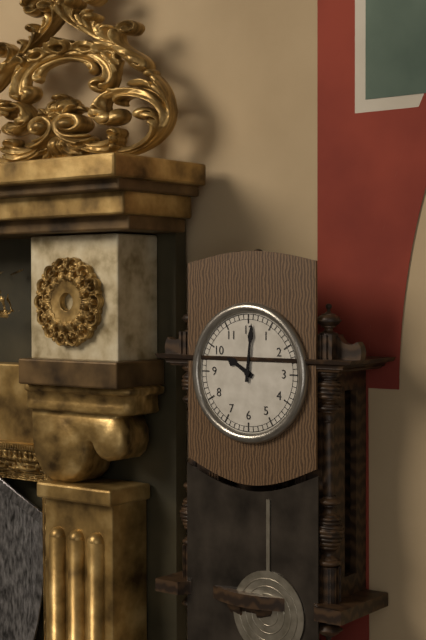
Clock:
{"hour": 10, "minute": 1}
